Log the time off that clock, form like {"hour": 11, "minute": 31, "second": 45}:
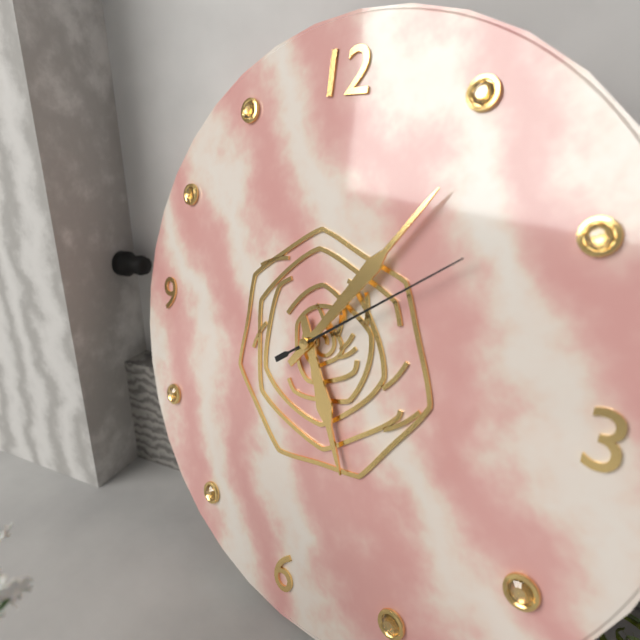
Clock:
{"hour": 5, "minute": 6, "second": 9}
